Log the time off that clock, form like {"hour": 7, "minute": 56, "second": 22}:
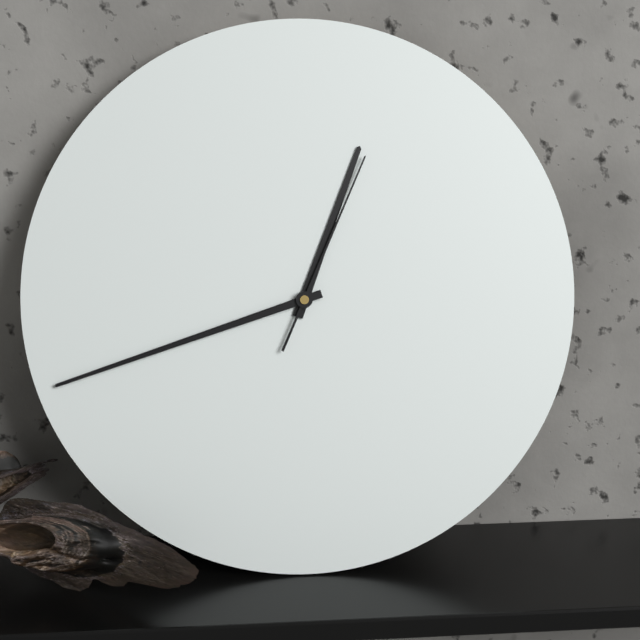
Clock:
{"hour": 12, "minute": 42, "second": 4}
